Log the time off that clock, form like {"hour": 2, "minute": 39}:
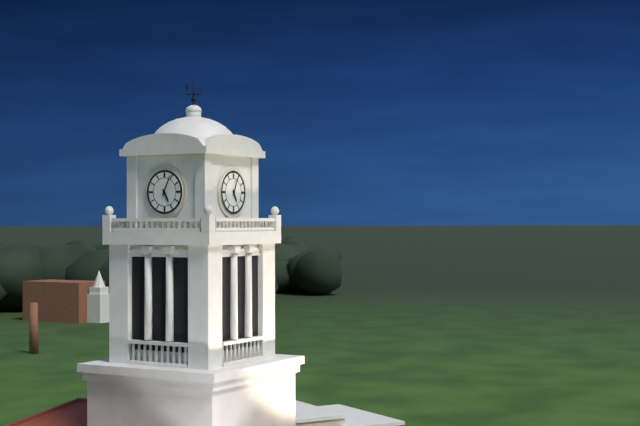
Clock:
{"hour": 5, "minute": 4}
